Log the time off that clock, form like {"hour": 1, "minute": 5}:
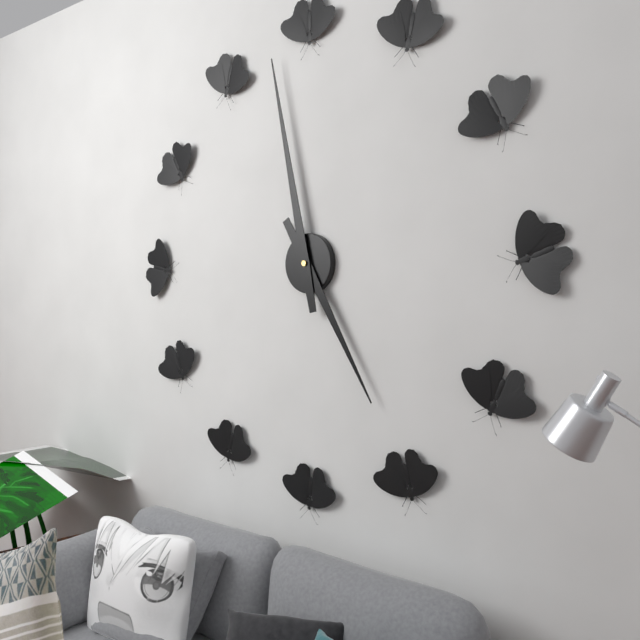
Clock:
{"hour": 4, "minute": 58}
